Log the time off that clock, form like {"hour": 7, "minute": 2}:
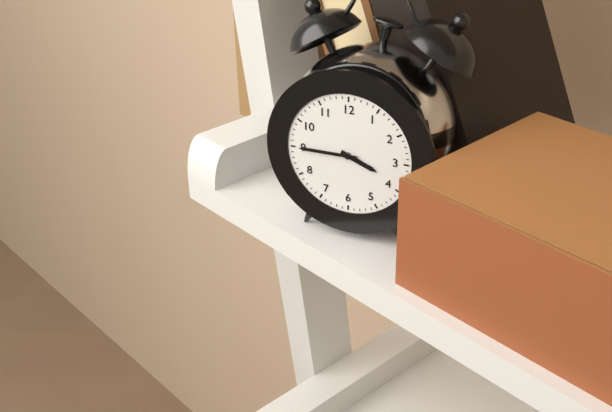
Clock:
{"hour": 3, "minute": 45}
